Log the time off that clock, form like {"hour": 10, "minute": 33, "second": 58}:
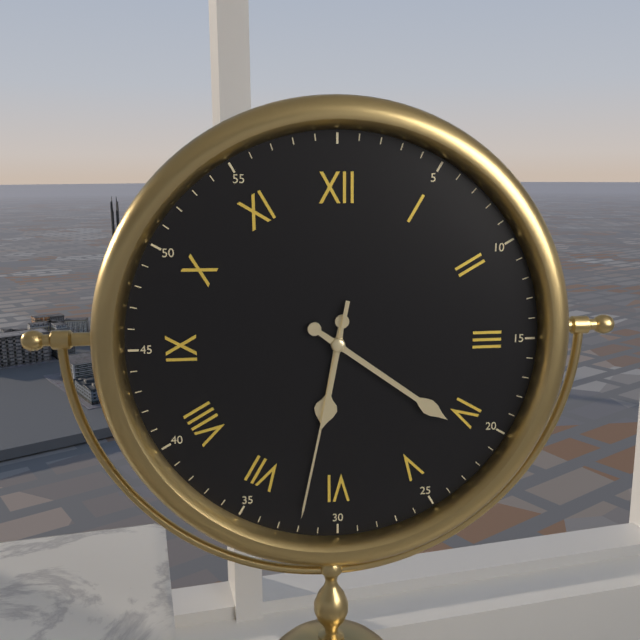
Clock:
{"hour": 6, "minute": 21, "second": 32}
